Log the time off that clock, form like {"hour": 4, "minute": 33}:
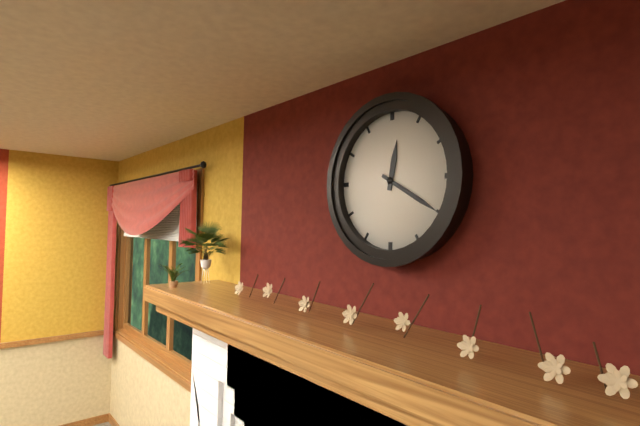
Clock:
{"hour": 12, "minute": 20}
